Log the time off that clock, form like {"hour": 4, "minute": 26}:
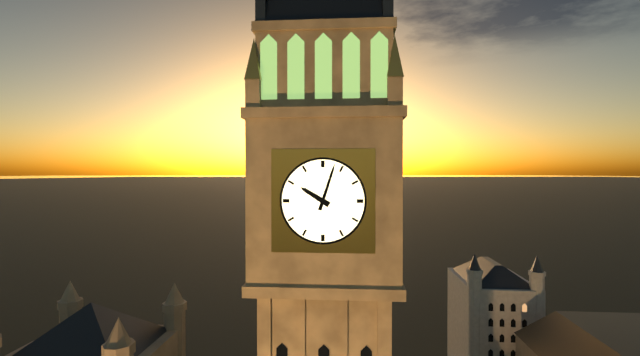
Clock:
{"hour": 10, "minute": 3}
